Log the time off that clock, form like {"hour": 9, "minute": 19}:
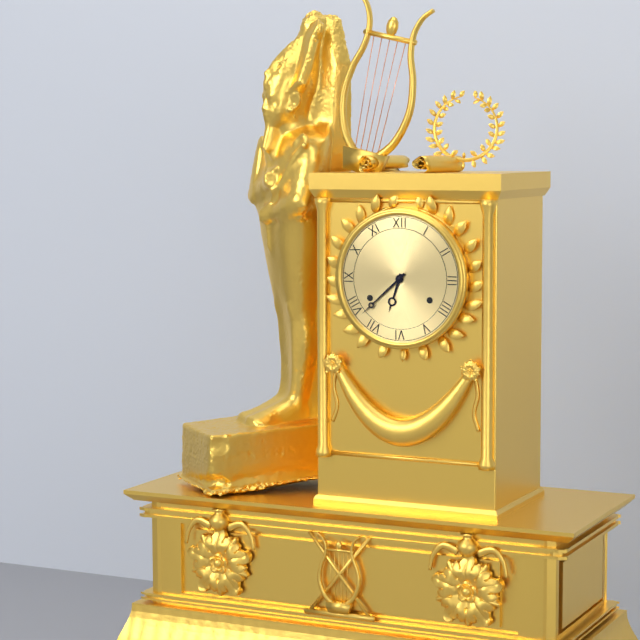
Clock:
{"hour": 6, "minute": 38}
